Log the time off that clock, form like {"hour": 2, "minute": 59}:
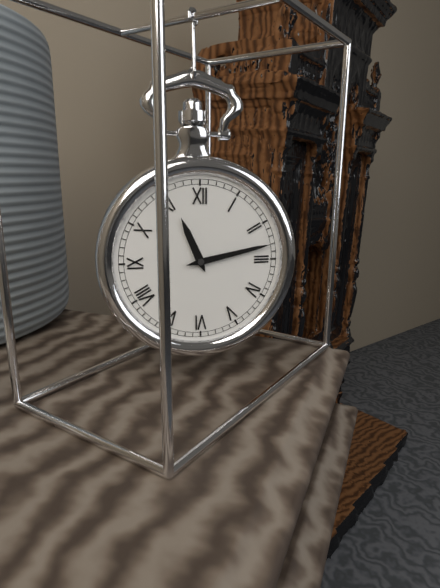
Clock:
{"hour": 11, "minute": 13}
